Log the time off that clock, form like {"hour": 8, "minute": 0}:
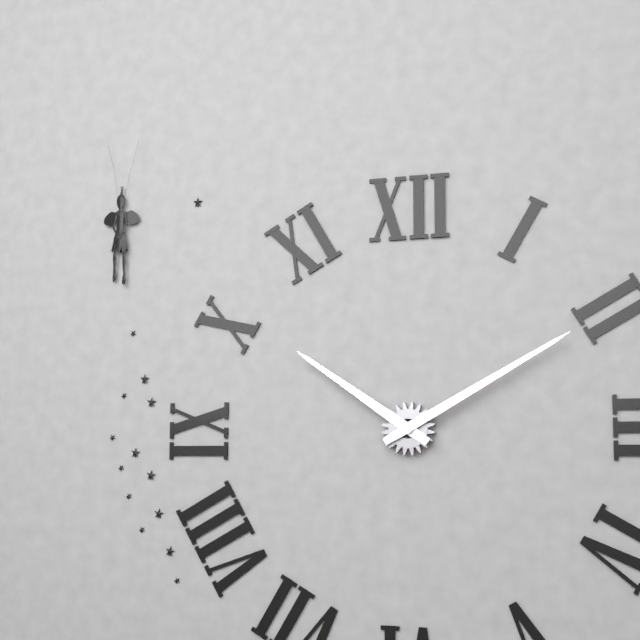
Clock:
{"hour": 10, "minute": 10}
